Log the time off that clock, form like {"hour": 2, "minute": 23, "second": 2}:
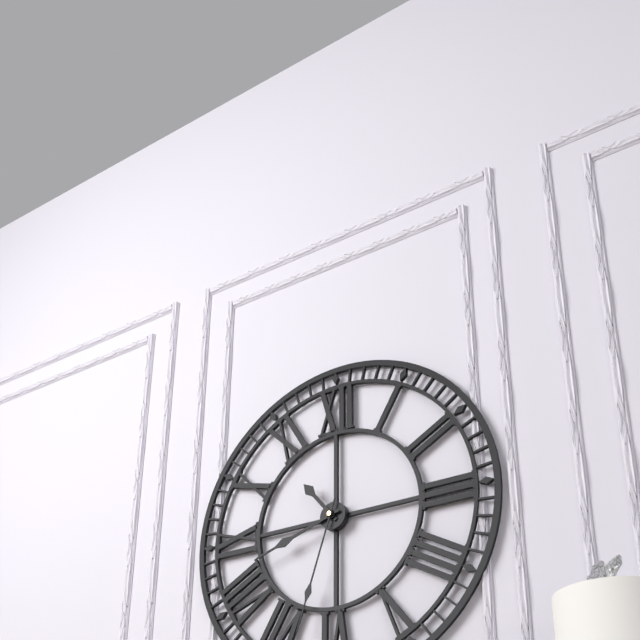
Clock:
{"hour": 10, "minute": 42, "second": 33}
